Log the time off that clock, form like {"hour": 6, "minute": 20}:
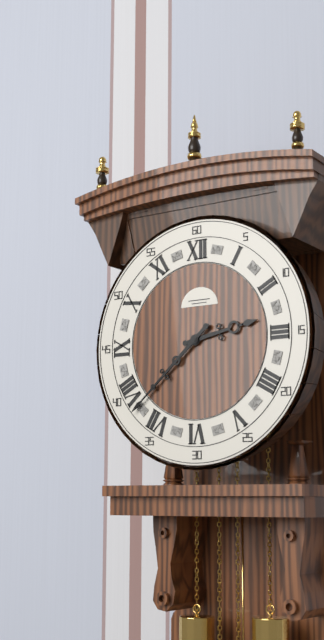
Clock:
{"hour": 2, "minute": 38}
